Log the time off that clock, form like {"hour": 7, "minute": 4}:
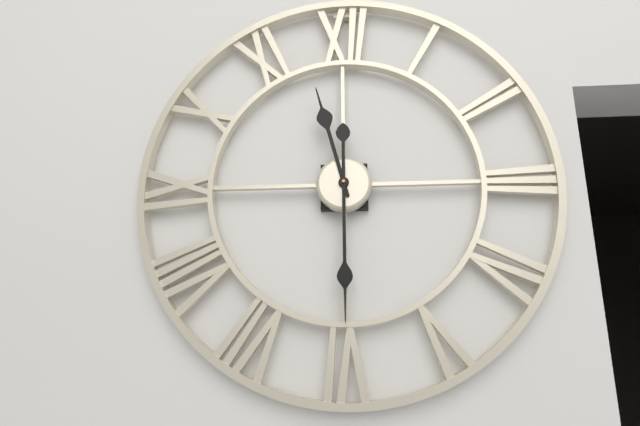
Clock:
{"hour": 11, "minute": 30}
